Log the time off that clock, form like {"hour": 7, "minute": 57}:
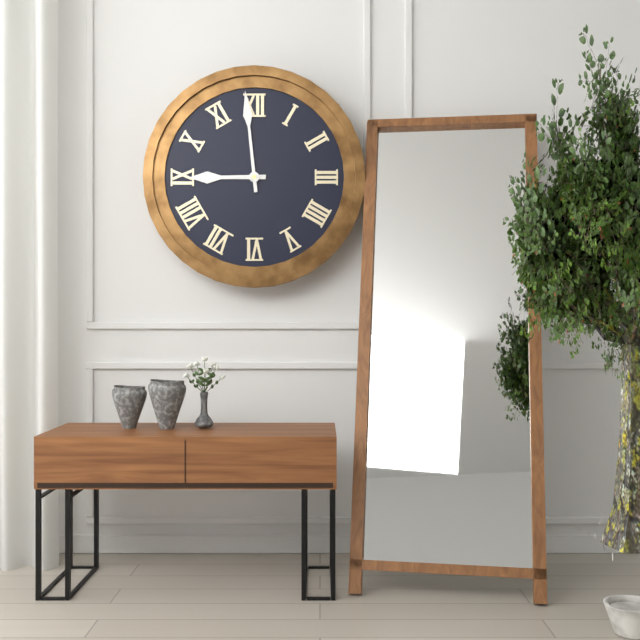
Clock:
{"hour": 8, "minute": 59}
